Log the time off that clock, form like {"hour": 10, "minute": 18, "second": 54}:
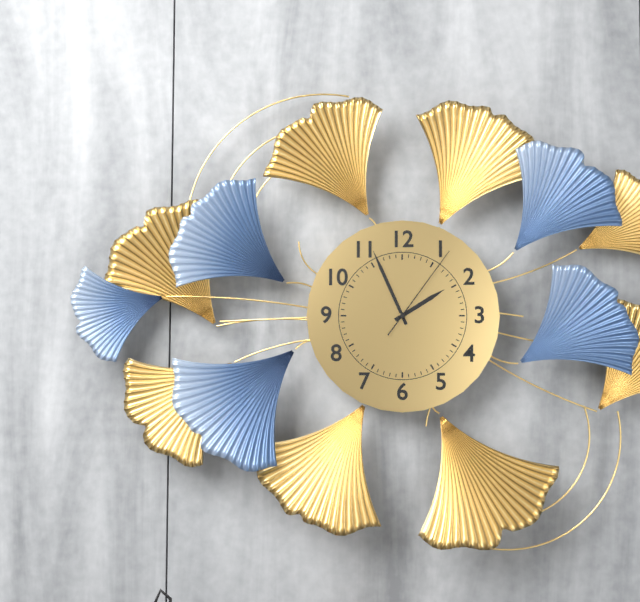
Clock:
{"hour": 1, "minute": 56, "second": 6}
